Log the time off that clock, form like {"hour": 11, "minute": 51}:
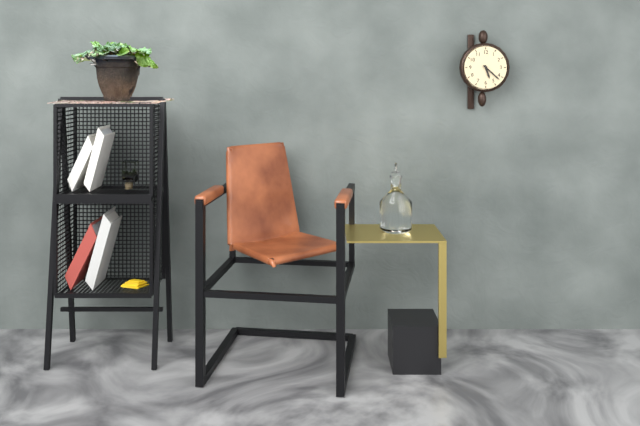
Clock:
{"hour": 5, "minute": 22}
